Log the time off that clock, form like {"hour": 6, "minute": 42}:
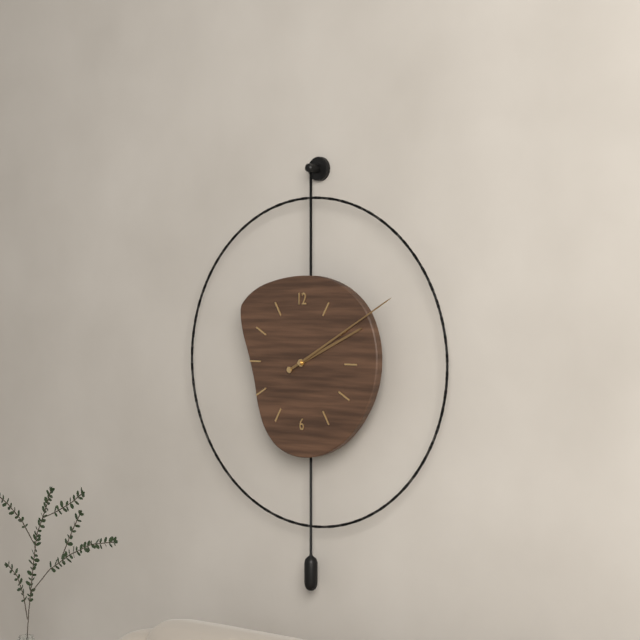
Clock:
{"hour": 2, "minute": 10}
